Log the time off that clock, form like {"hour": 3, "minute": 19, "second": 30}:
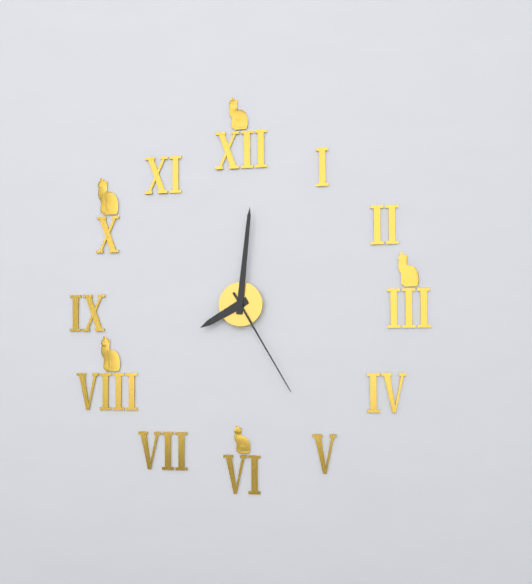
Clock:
{"hour": 8, "minute": 1, "second": 25}
